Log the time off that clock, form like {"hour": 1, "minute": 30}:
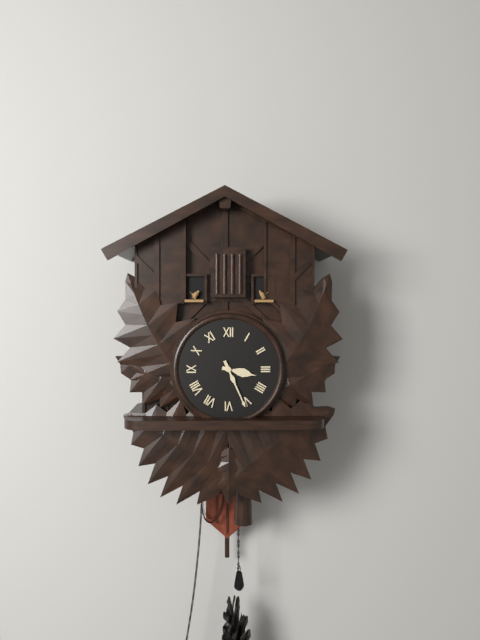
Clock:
{"hour": 3, "minute": 26}
